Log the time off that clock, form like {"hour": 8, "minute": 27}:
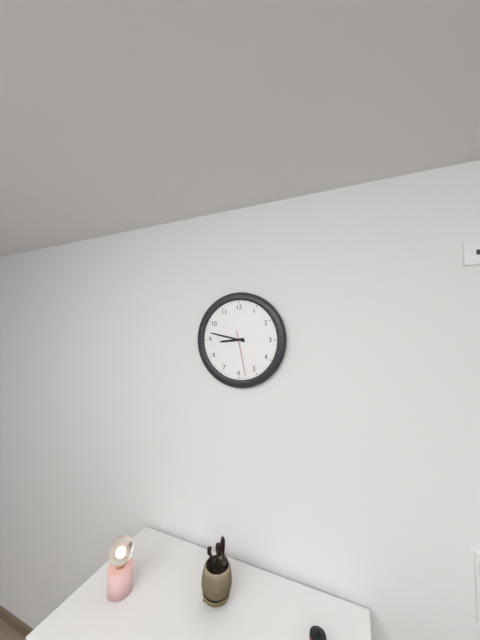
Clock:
{"hour": 8, "minute": 47}
